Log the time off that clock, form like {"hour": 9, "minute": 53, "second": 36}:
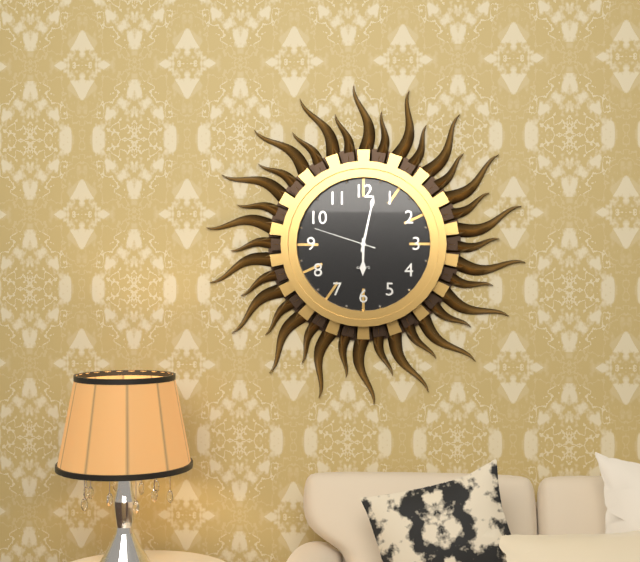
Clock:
{"hour": 6, "minute": 2, "second": 48}
